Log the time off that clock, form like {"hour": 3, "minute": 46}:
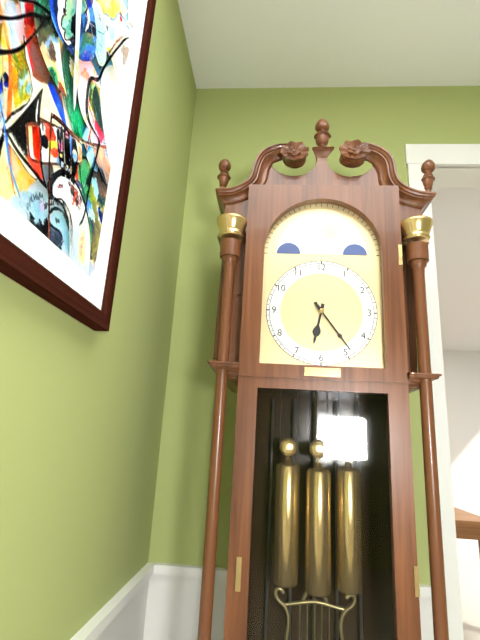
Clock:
{"hour": 6, "minute": 24}
